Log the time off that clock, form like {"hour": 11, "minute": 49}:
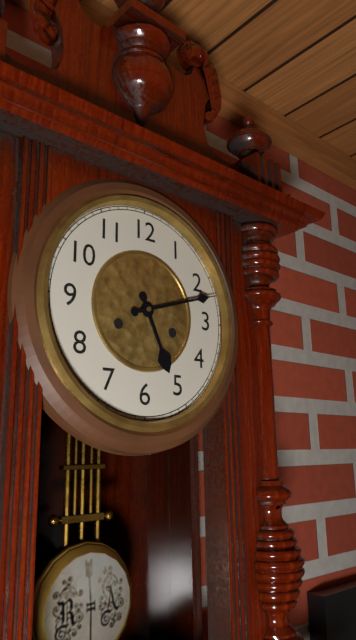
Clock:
{"hour": 5, "minute": 12}
